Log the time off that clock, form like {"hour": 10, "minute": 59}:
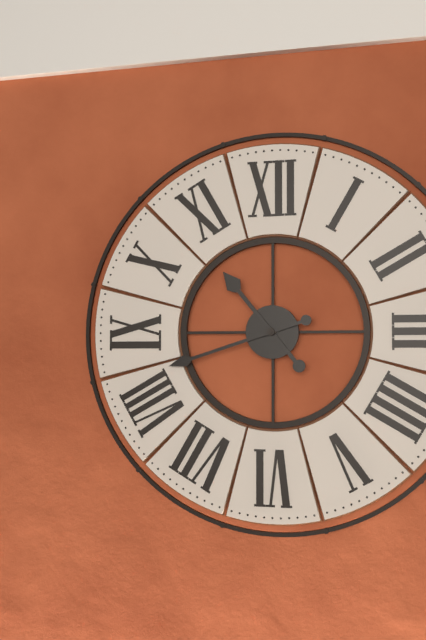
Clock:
{"hour": 10, "minute": 42}
